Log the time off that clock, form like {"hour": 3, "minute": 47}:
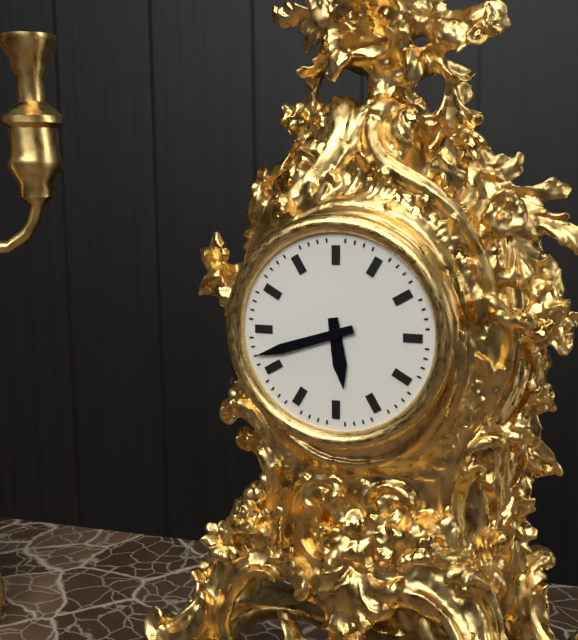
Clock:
{"hour": 5, "minute": 42}
